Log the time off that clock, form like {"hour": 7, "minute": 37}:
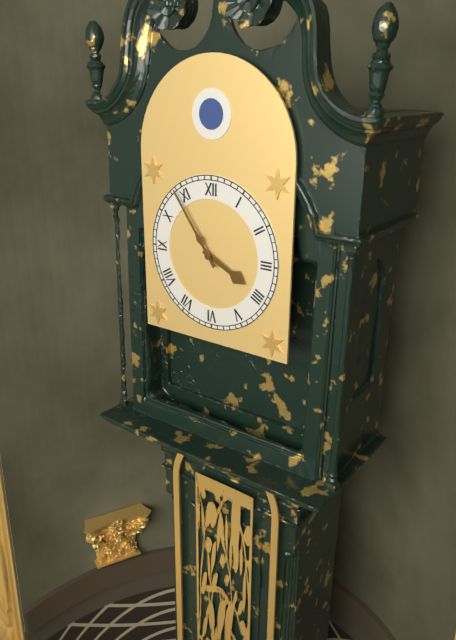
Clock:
{"hour": 3, "minute": 54}
